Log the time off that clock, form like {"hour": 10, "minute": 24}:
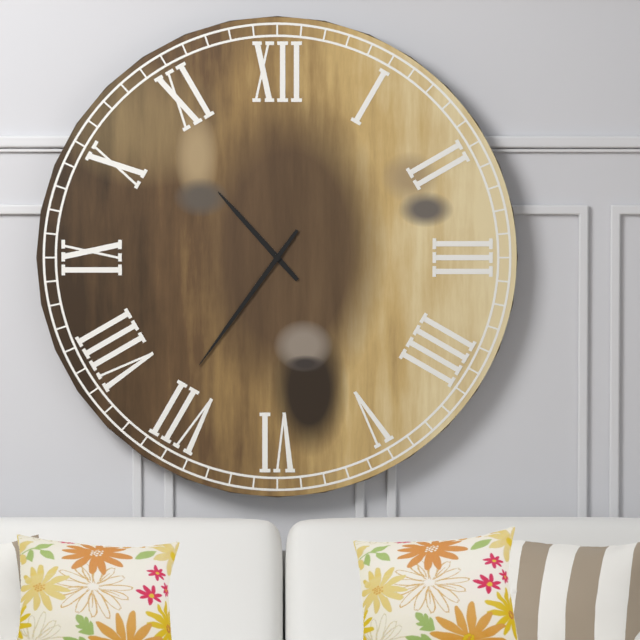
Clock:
{"hour": 10, "minute": 36}
